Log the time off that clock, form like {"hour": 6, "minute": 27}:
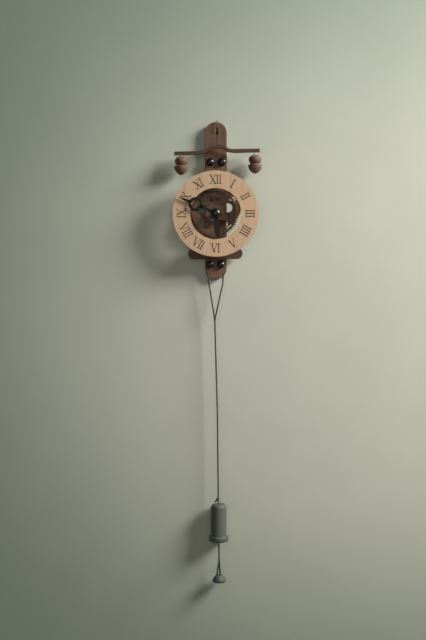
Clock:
{"hour": 5, "minute": 49}
